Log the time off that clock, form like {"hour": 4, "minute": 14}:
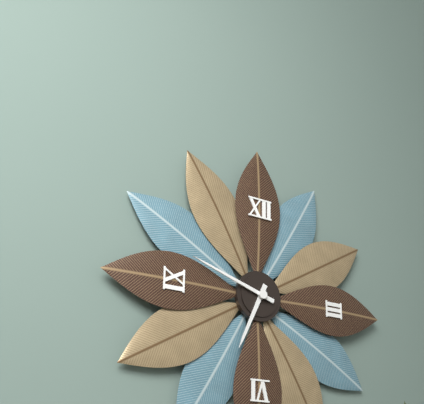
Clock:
{"hour": 6, "minute": 48}
